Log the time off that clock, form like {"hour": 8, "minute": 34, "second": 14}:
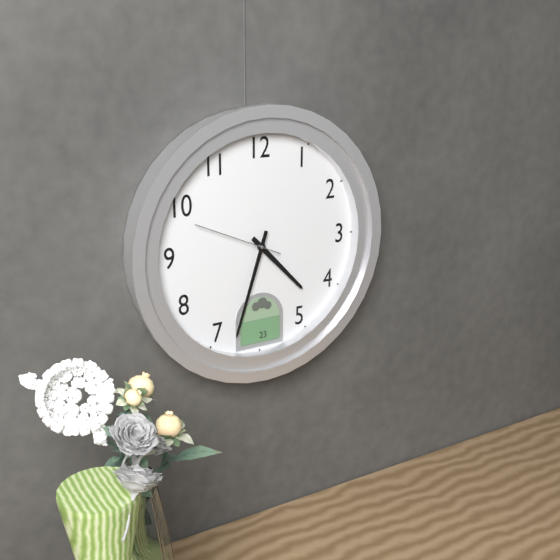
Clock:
{"hour": 4, "minute": 33, "second": 49}
